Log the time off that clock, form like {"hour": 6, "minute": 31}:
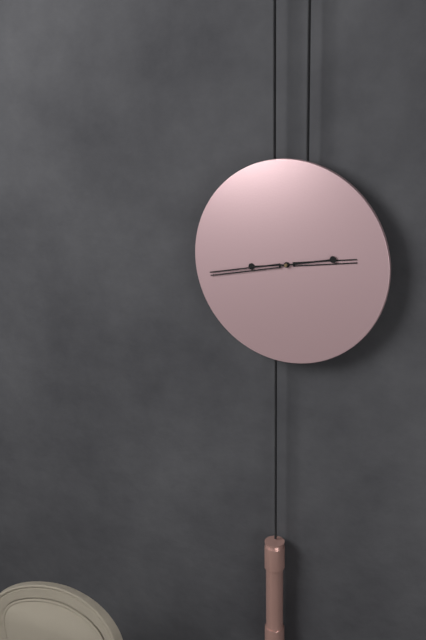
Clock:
{"hour": 2, "minute": 43}
